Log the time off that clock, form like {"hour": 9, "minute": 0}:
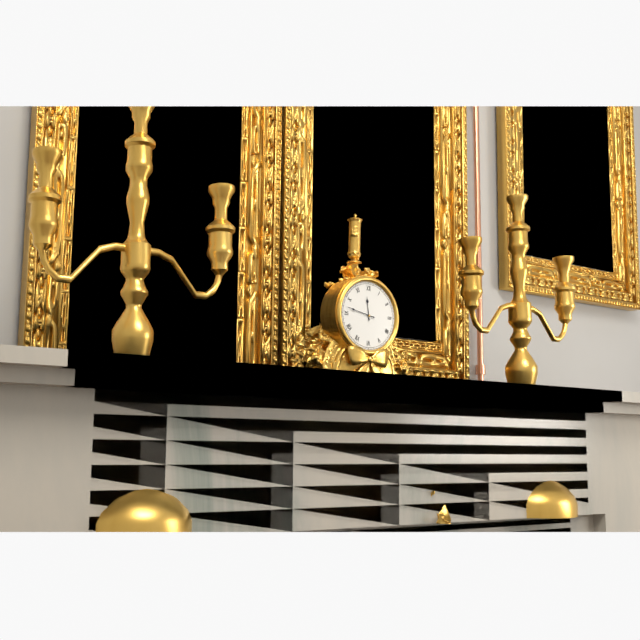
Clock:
{"hour": 11, "minute": 47}
